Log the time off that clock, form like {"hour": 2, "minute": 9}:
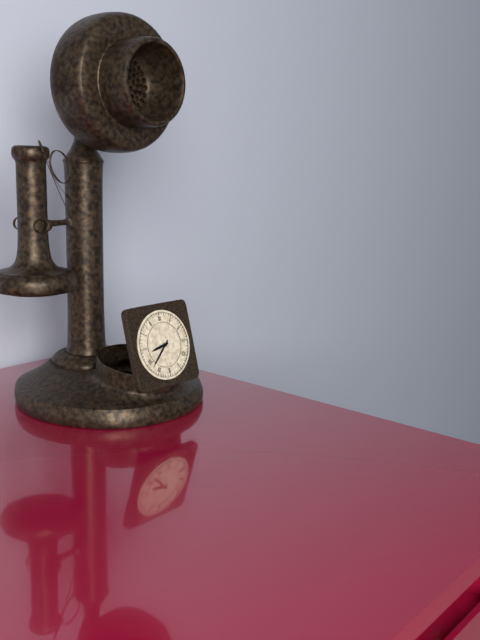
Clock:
{"hour": 8, "minute": 38}
